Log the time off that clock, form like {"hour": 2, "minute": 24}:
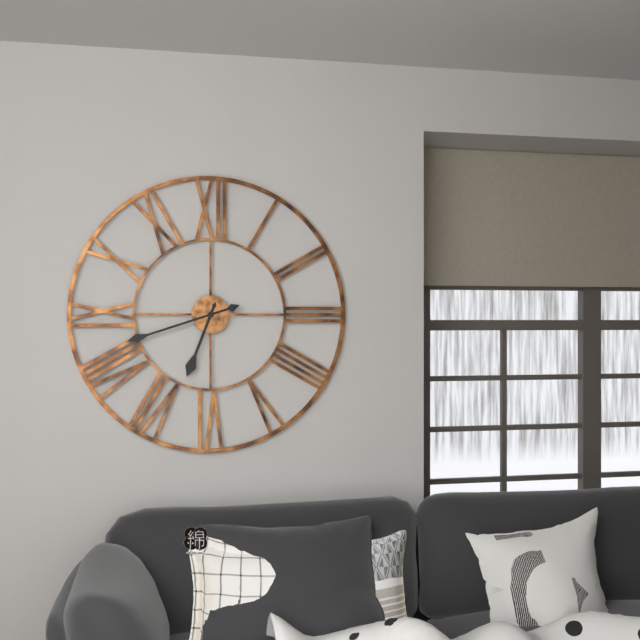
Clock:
{"hour": 6, "minute": 42}
